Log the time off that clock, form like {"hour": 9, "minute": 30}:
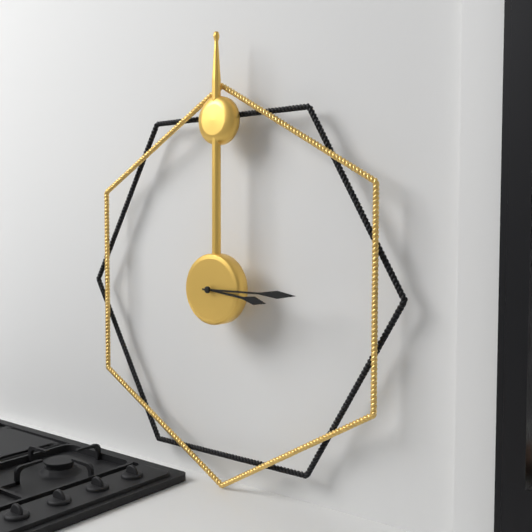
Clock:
{"hour": 3, "minute": 15}
